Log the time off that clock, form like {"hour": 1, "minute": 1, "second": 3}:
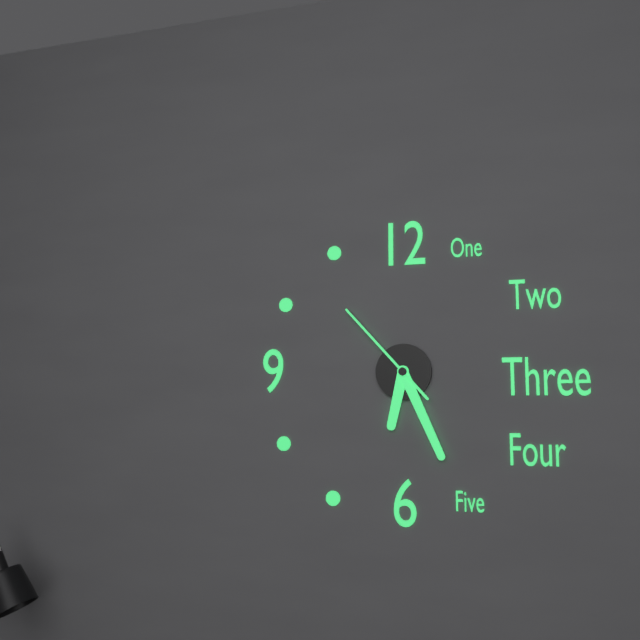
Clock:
{"hour": 6, "minute": 26, "second": 53}
